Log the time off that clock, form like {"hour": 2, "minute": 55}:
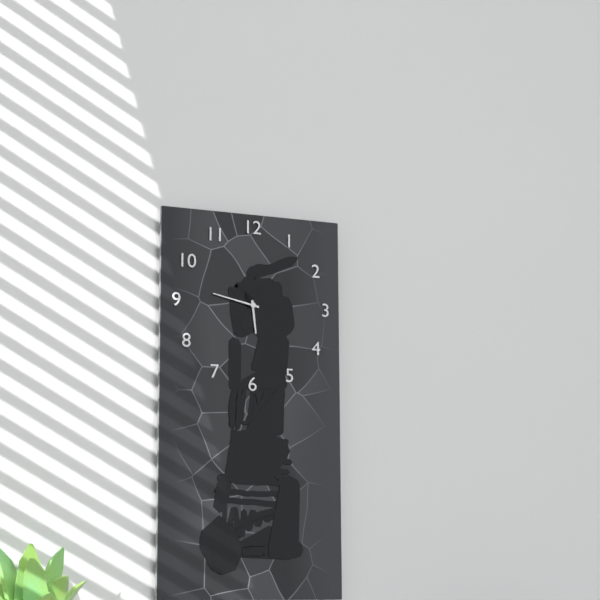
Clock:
{"hour": 5, "minute": 47}
